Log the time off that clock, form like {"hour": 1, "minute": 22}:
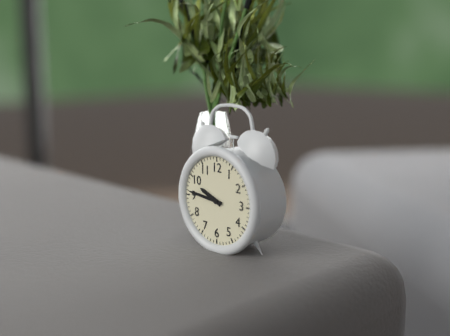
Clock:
{"hour": 9, "minute": 46}
